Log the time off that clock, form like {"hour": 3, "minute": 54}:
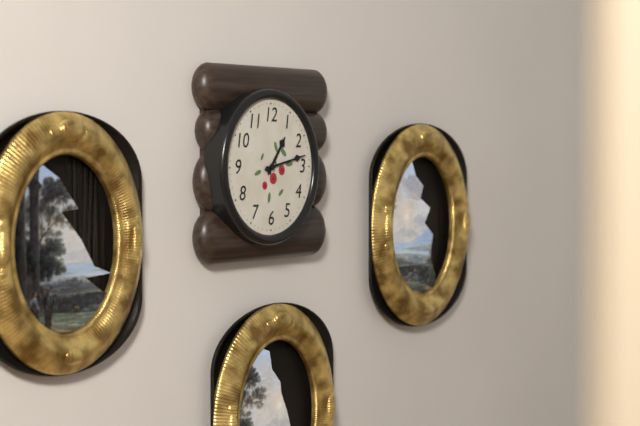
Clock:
{"hour": 1, "minute": 13}
